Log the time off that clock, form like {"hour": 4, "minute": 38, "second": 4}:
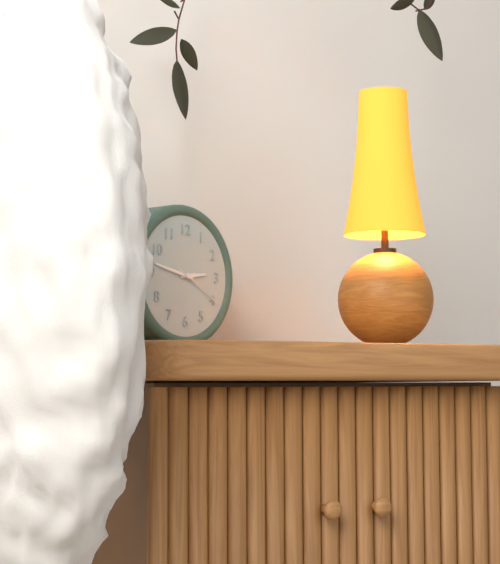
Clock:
{"hour": 2, "minute": 47, "second": 20}
